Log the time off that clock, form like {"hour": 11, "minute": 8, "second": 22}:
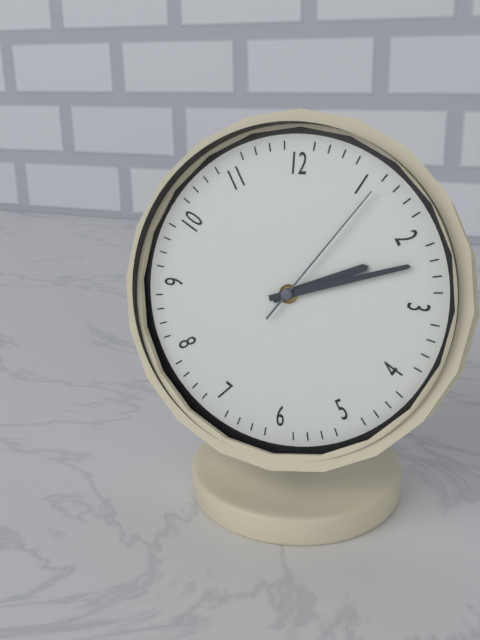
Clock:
{"hour": 2, "minute": 12, "second": 6}
